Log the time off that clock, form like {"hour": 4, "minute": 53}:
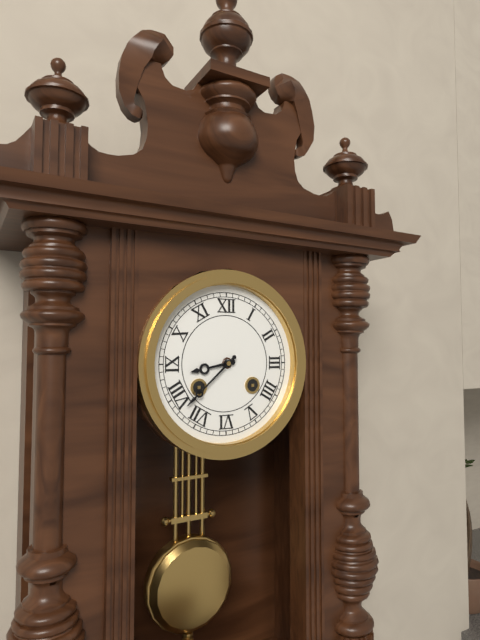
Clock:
{"hour": 8, "minute": 38}
